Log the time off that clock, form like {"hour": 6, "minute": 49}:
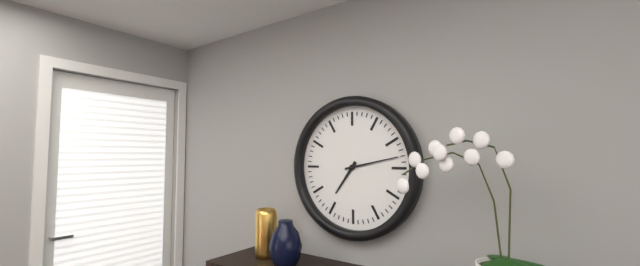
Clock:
{"hour": 7, "minute": 13}
